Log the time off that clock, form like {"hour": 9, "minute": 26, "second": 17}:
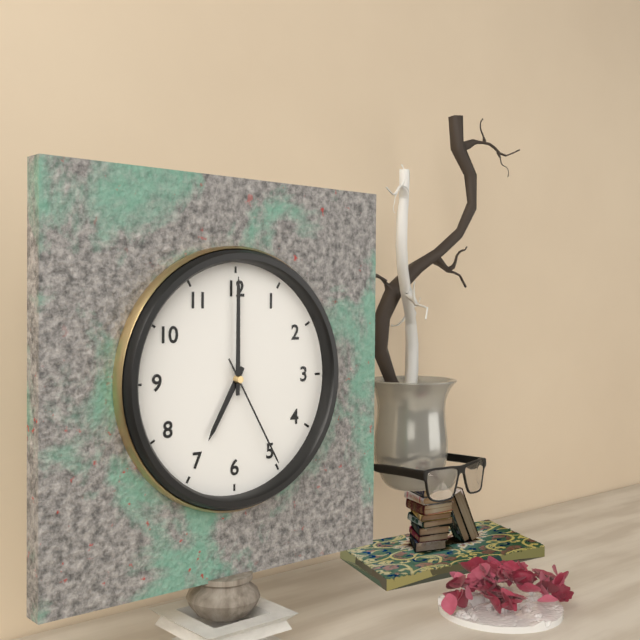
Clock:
{"hour": 7, "minute": 0, "second": 25}
